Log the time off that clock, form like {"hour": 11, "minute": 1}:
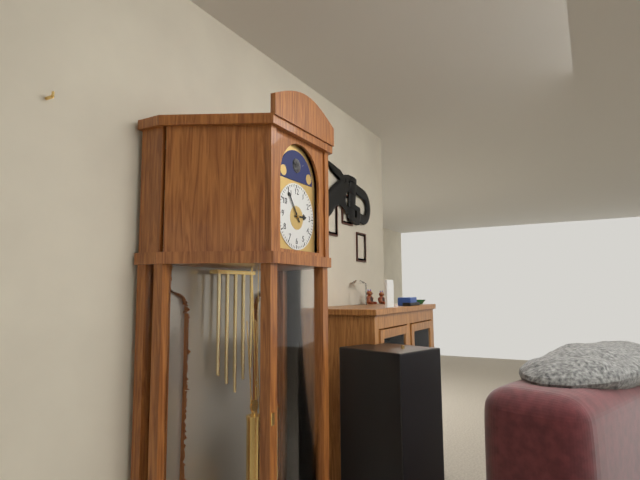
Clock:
{"hour": 2, "minute": 54}
